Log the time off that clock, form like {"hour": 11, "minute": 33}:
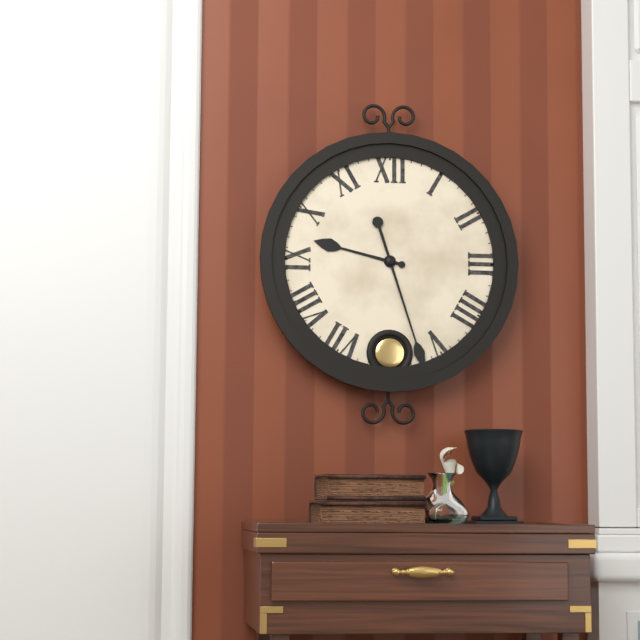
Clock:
{"hour": 9, "minute": 27}
